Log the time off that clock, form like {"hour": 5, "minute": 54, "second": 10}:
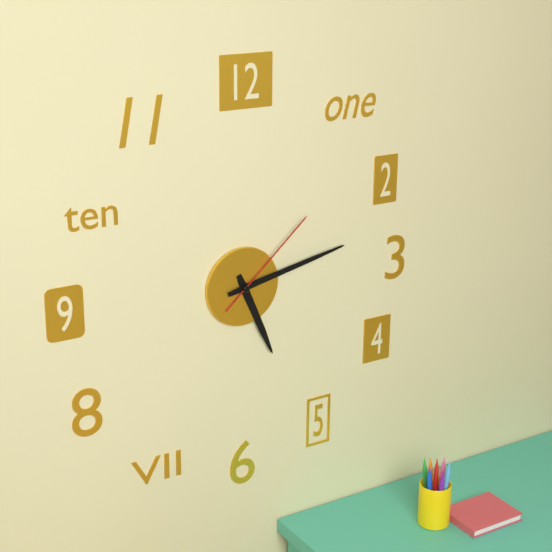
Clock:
{"hour": 5, "minute": 13, "second": 8}
